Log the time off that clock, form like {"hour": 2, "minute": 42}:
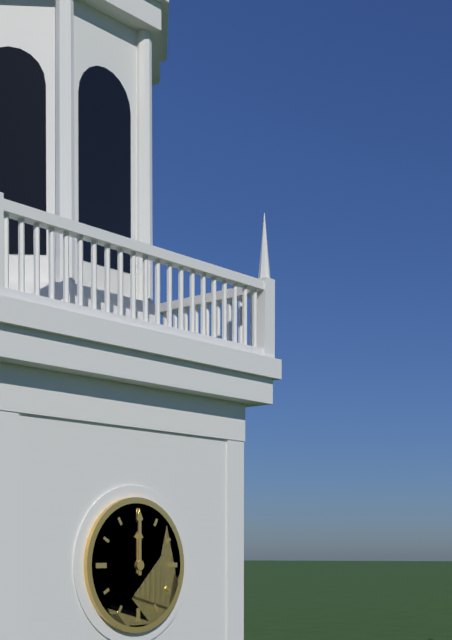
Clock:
{"hour": 12, "minute": 0}
